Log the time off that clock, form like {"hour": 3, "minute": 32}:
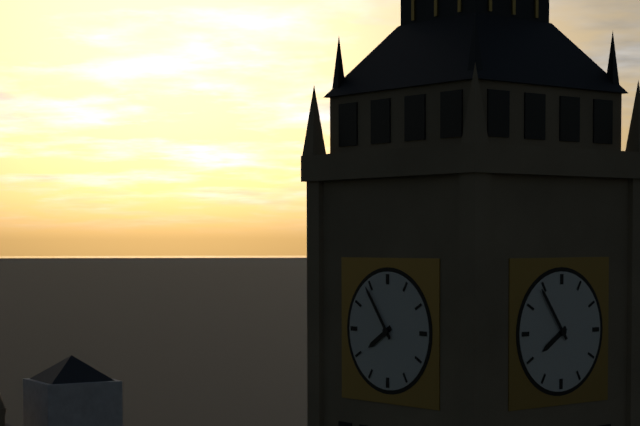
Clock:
{"hour": 7, "minute": 54}
